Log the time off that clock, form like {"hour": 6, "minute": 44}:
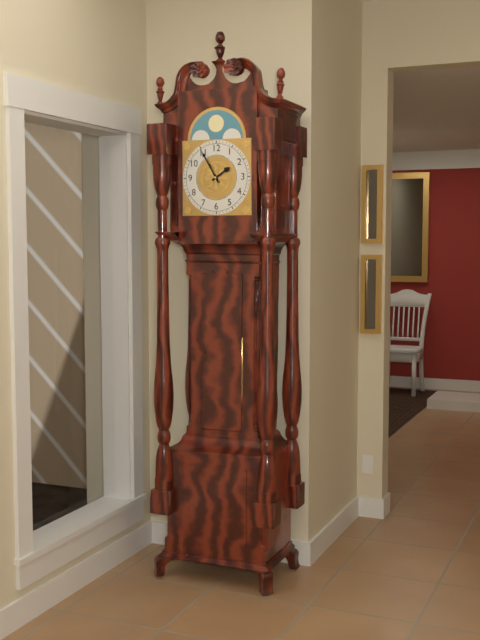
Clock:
{"hour": 1, "minute": 55}
